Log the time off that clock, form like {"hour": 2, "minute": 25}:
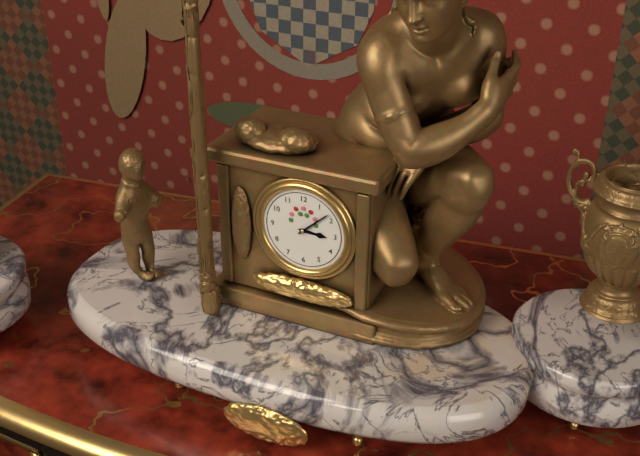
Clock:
{"hour": 3, "minute": 8}
